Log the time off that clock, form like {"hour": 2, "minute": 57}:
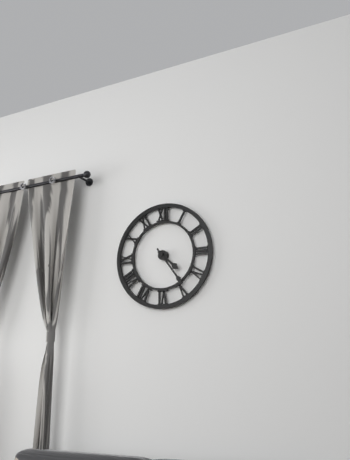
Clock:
{"hour": 4, "minute": 24}
